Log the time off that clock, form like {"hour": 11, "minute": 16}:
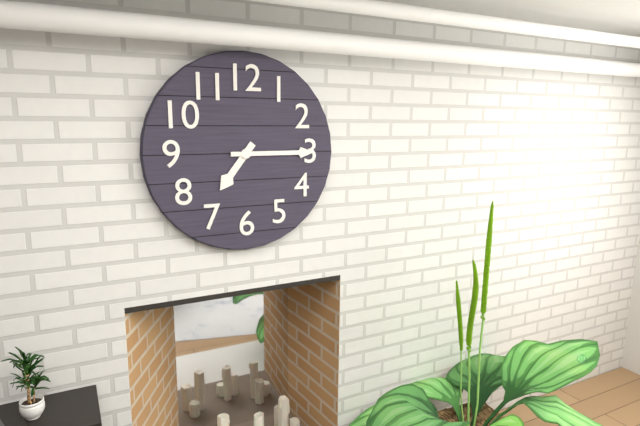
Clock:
{"hour": 7, "minute": 15}
